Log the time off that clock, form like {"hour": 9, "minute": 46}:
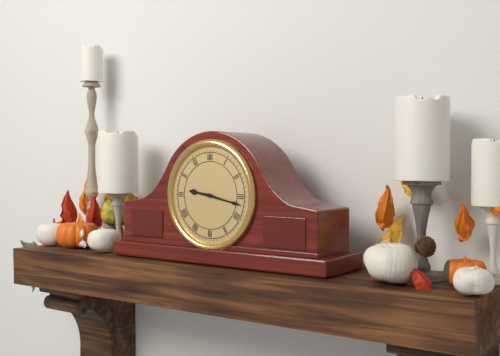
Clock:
{"hour": 9, "minute": 17}
